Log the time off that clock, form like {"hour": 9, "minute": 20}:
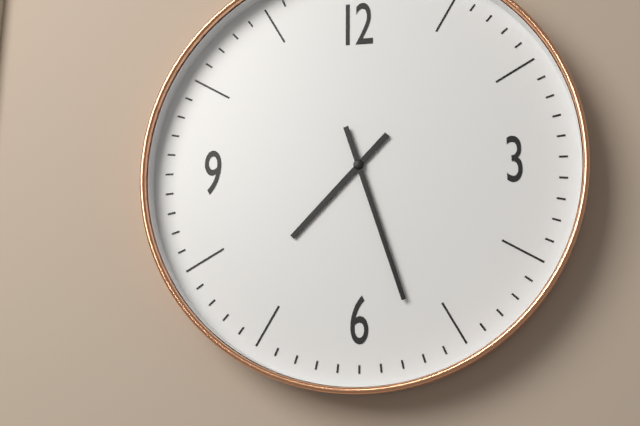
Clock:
{"hour": 7, "minute": 27}
